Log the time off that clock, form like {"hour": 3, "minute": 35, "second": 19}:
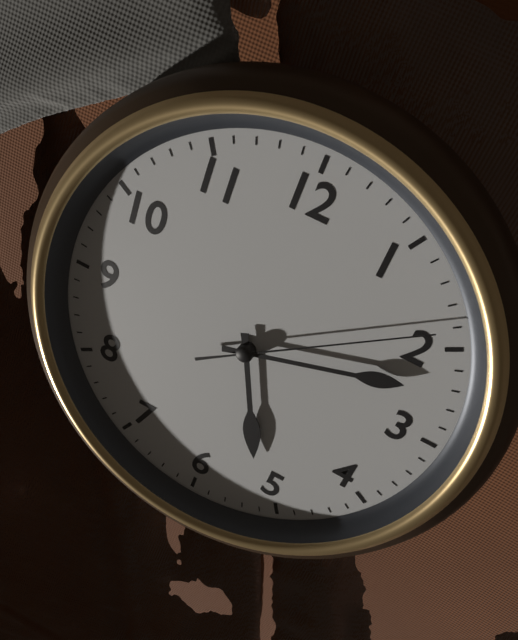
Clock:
{"hour": 5, "minute": 12, "second": 9}
